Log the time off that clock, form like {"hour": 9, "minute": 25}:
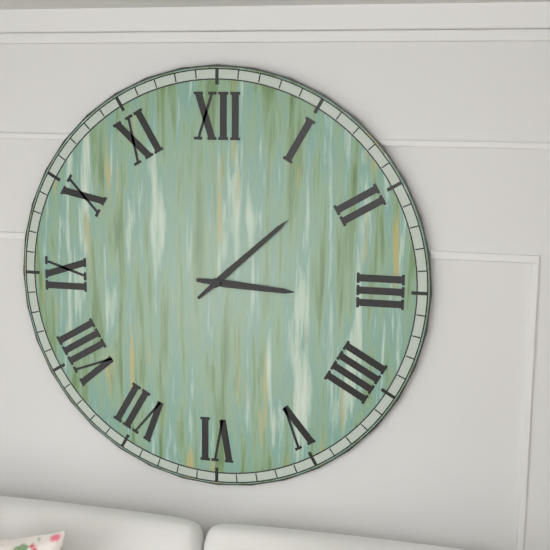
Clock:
{"hour": 3, "minute": 8}
